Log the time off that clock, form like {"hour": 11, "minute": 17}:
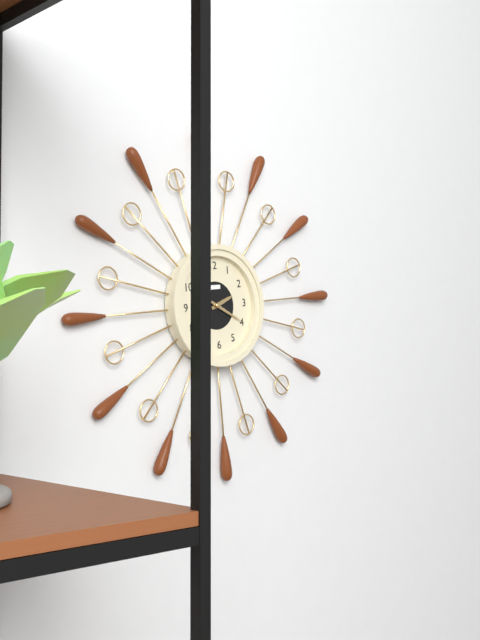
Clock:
{"hour": 2, "minute": 20}
